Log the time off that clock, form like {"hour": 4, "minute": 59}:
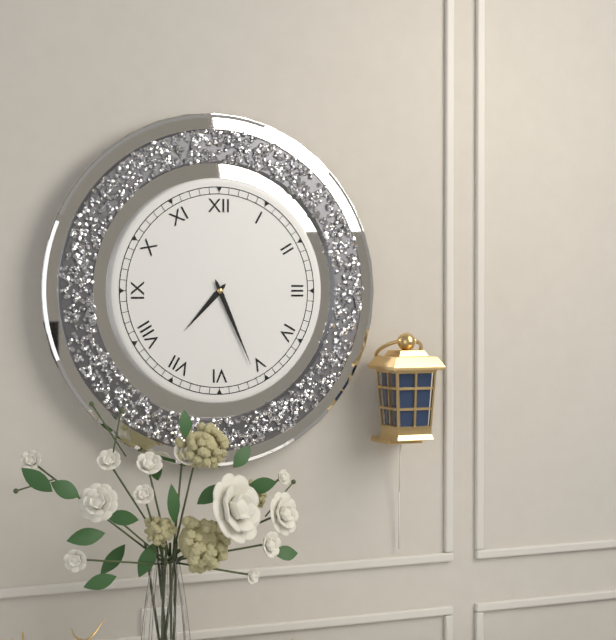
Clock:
{"hour": 7, "minute": 26}
